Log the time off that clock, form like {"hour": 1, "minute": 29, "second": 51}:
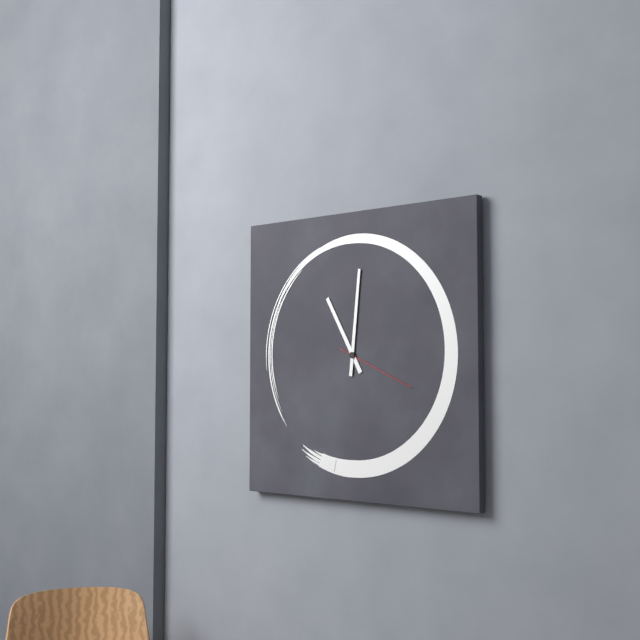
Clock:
{"hour": 11, "minute": 1, "second": 19}
